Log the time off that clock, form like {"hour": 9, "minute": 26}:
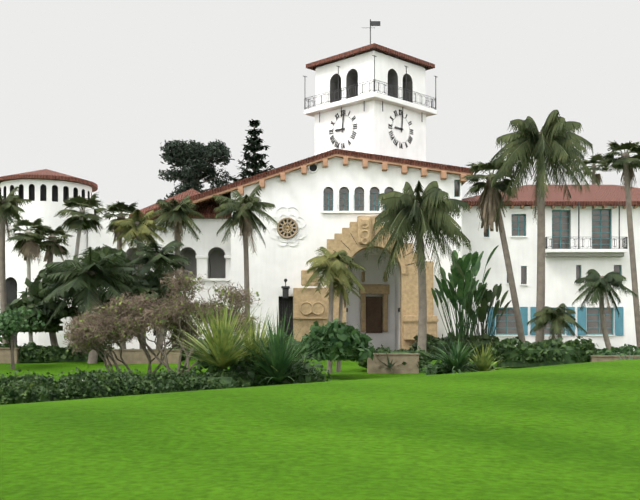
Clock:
{"hour": 9, "minute": 1}
